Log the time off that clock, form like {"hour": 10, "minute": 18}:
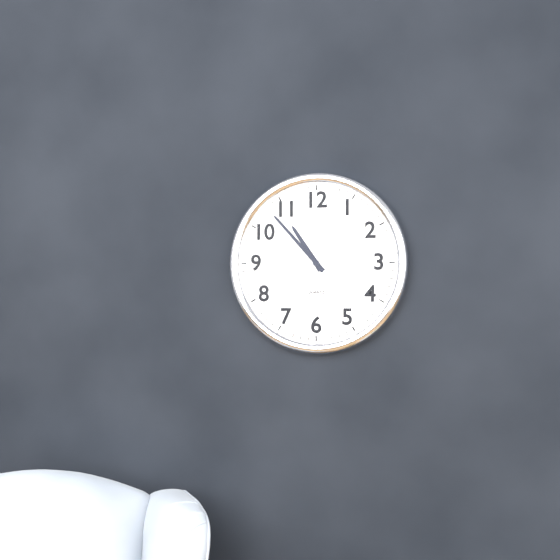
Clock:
{"hour": 10, "minute": 53}
